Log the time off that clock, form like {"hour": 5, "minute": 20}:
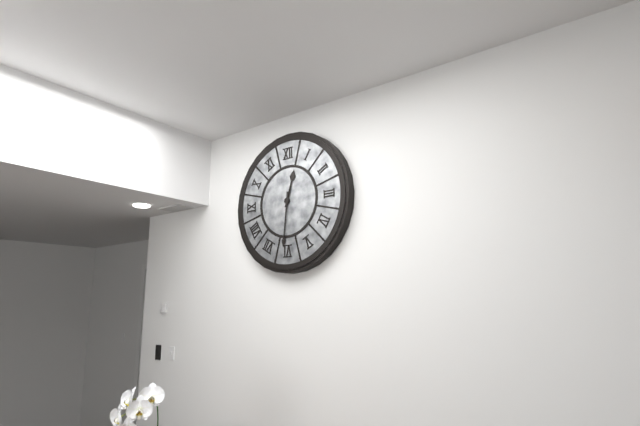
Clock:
{"hour": 12, "minute": 31}
